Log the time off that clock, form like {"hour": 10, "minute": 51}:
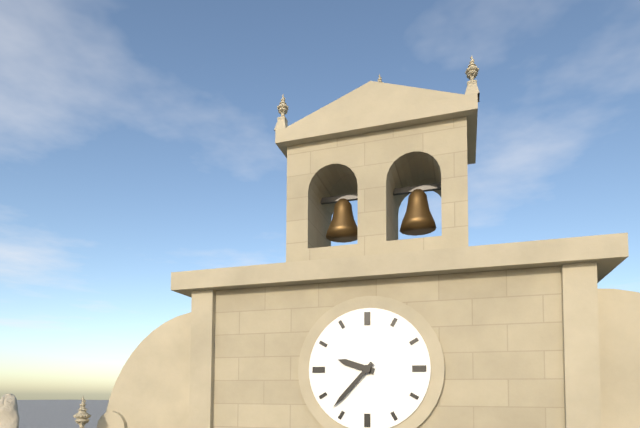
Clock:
{"hour": 9, "minute": 37}
